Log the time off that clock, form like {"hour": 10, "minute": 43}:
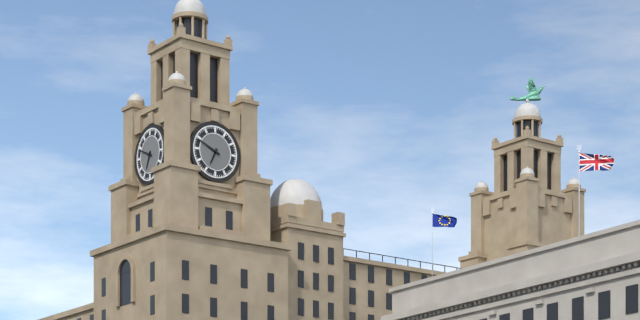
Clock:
{"hour": 6, "minute": 49}
